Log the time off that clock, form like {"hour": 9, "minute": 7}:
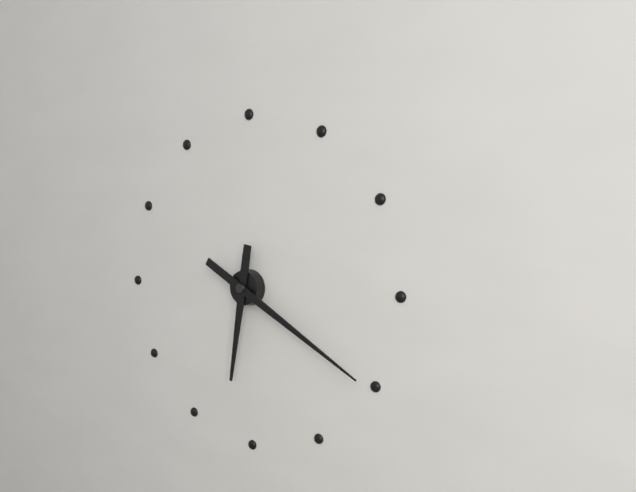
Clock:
{"hour": 6, "minute": 20}
